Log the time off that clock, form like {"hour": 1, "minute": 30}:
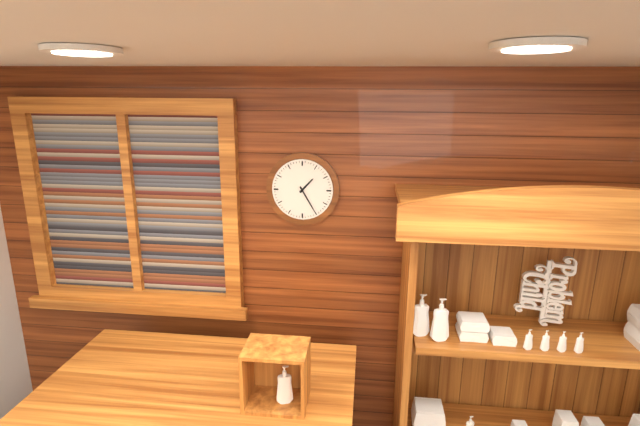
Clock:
{"hour": 1, "minute": 25}
